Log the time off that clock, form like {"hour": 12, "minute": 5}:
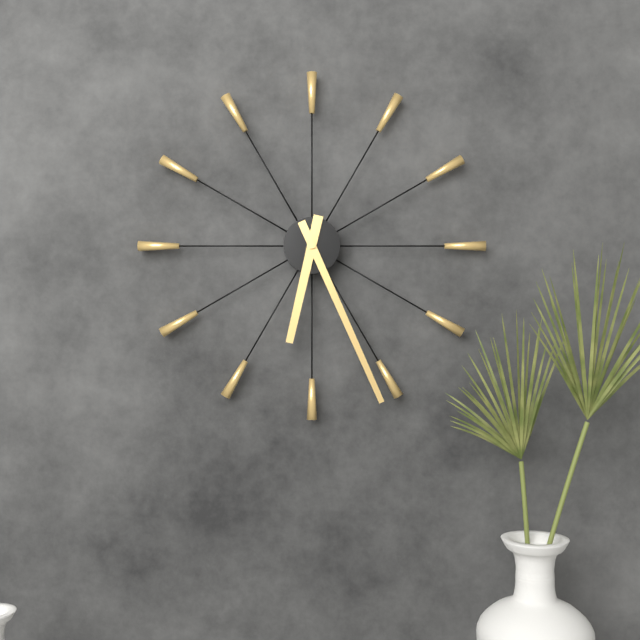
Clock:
{"hour": 6, "minute": 26}
